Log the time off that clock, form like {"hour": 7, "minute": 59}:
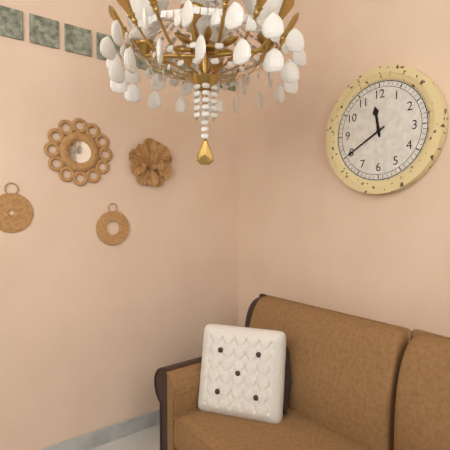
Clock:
{"hour": 11, "minute": 40}
